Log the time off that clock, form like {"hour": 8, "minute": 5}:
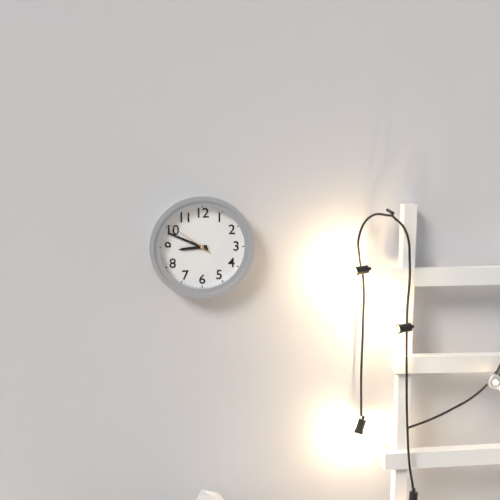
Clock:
{"hour": 8, "minute": 49}
